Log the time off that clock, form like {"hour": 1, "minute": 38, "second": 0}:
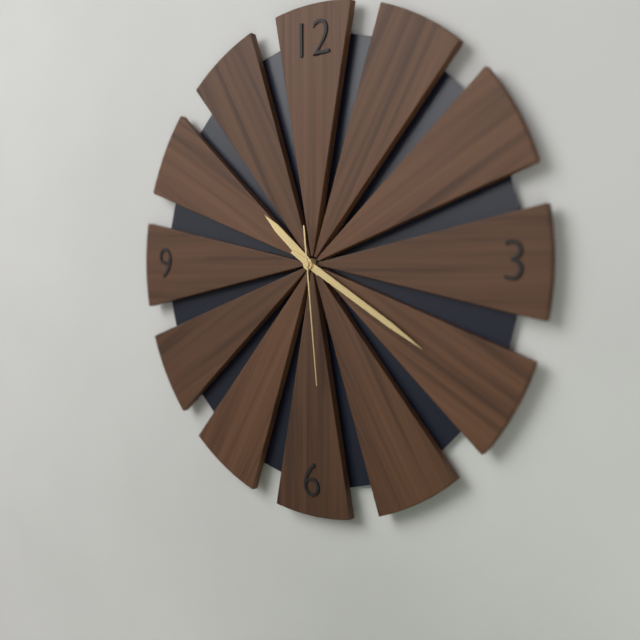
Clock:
{"hour": 10, "minute": 20, "second": 29}
